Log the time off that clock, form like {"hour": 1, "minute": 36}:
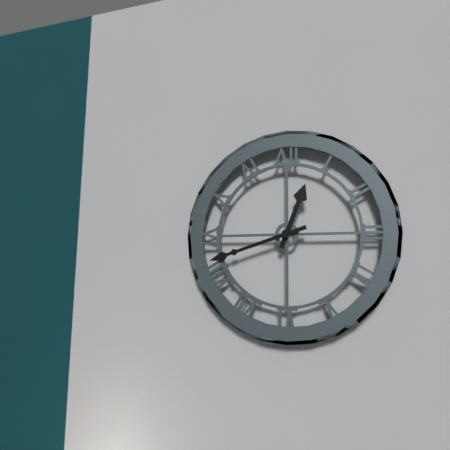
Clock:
{"hour": 12, "minute": 42}
